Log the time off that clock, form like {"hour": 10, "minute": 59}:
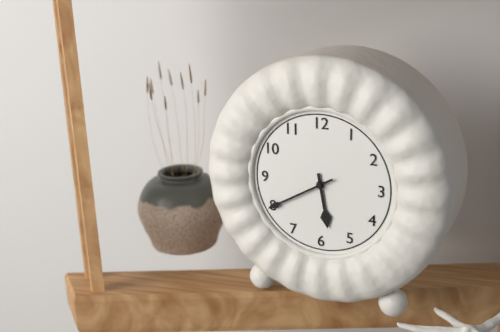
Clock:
{"hour": 5, "minute": 40}
